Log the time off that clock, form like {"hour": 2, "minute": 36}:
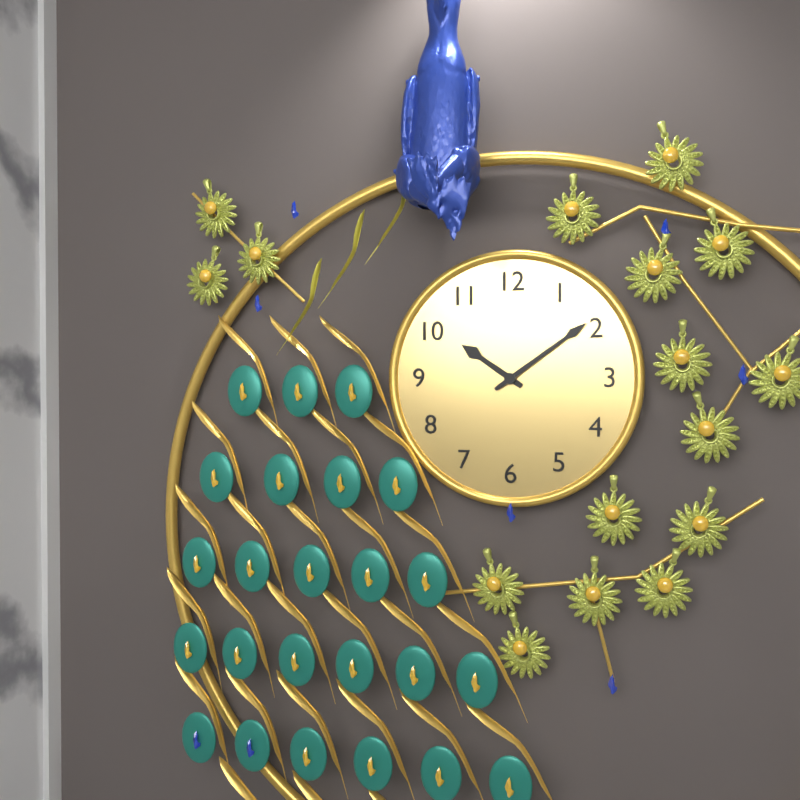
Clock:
{"hour": 10, "minute": 9}
